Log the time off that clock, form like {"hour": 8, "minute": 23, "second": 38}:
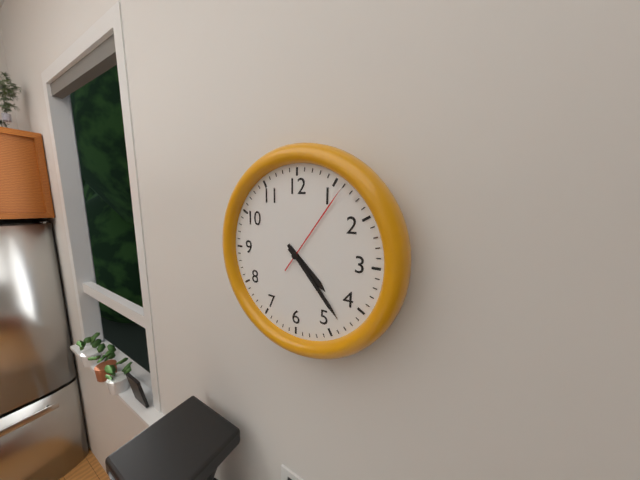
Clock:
{"hour": 4, "minute": 23, "second": 6}
